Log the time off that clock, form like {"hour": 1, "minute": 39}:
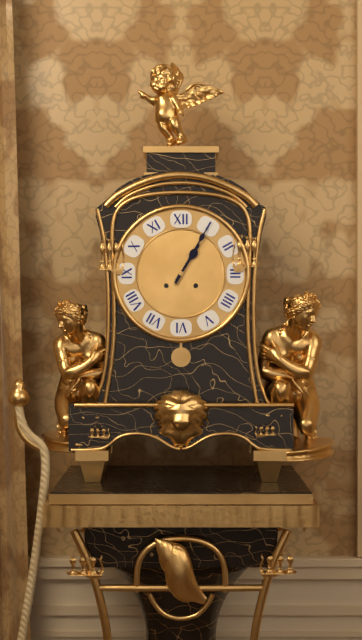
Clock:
{"hour": 1, "minute": 5}
